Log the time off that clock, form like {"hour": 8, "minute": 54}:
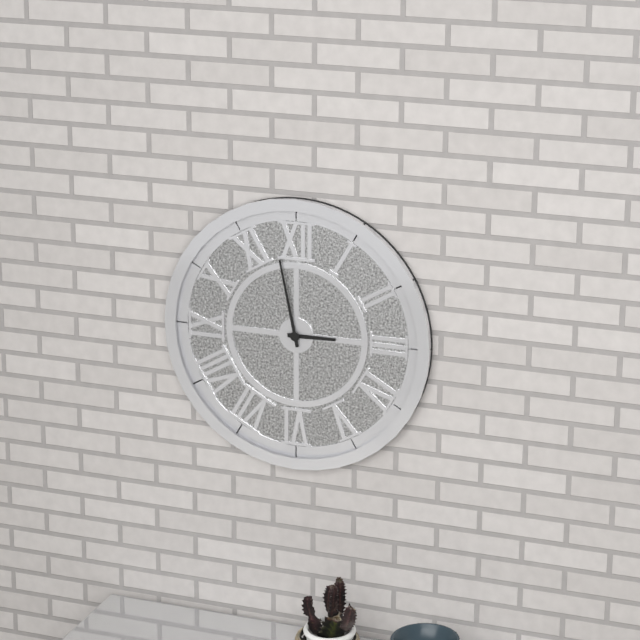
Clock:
{"hour": 2, "minute": 58}
